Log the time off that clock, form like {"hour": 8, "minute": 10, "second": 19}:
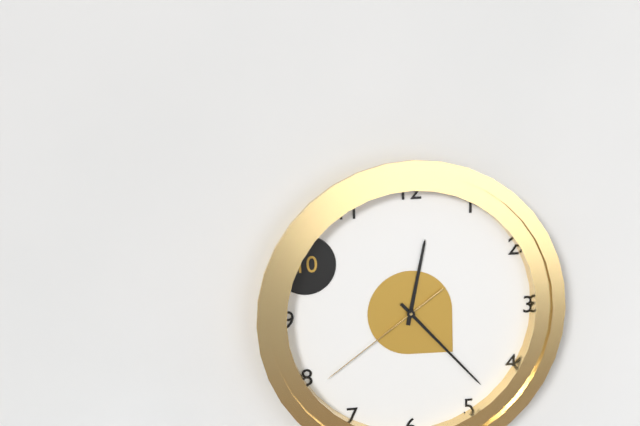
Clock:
{"hour": 12, "minute": 23, "second": 39}
